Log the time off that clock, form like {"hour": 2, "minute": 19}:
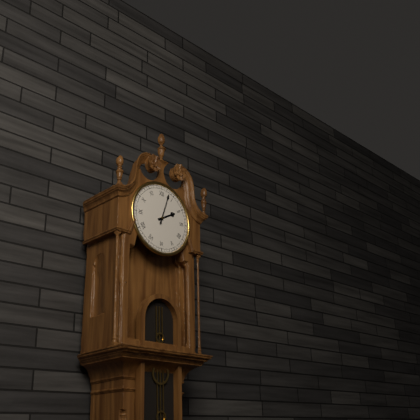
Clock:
{"hour": 2, "minute": 3}
